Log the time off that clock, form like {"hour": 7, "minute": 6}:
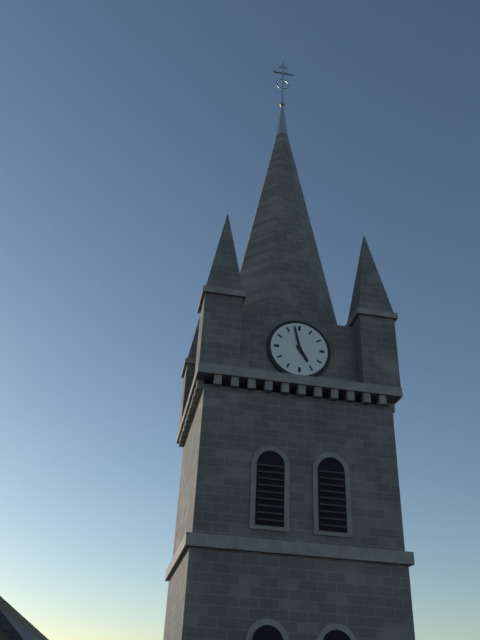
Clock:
{"hour": 4, "minute": 58}
